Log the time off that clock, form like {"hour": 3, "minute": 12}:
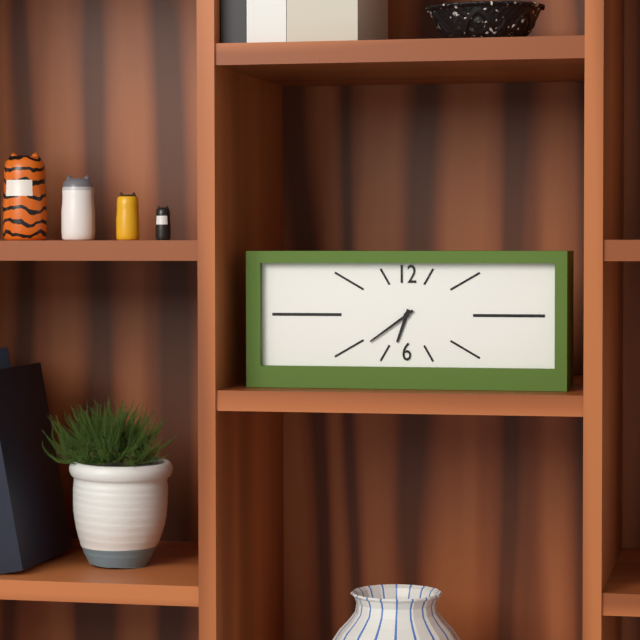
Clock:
{"hour": 6, "minute": 39}
